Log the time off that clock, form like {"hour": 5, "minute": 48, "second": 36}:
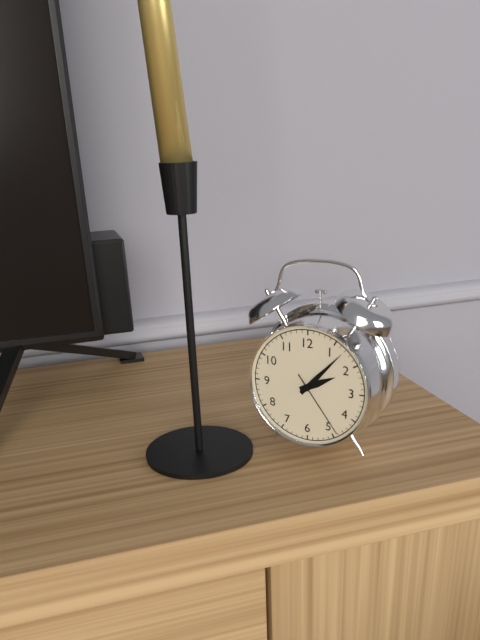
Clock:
{"hour": 2, "minute": 7, "second": 24}
